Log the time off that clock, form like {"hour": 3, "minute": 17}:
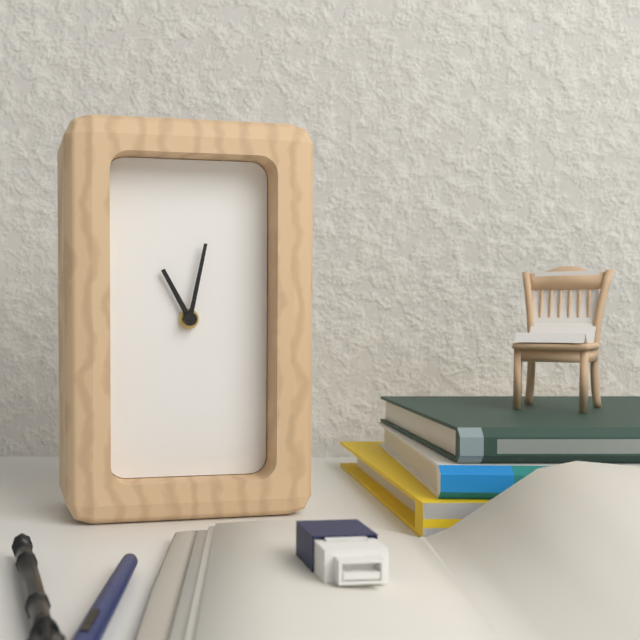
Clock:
{"hour": 11, "minute": 2}
